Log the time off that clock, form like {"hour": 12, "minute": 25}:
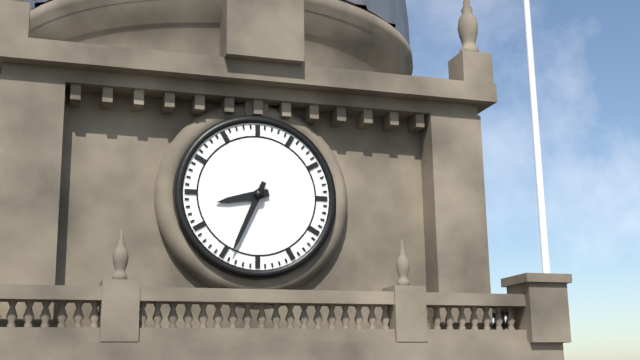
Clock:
{"hour": 8, "minute": 34}
